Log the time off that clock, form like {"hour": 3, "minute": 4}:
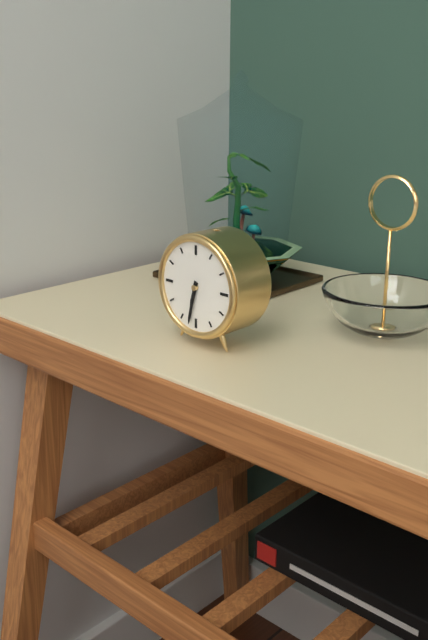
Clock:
{"hour": 6, "minute": 32}
